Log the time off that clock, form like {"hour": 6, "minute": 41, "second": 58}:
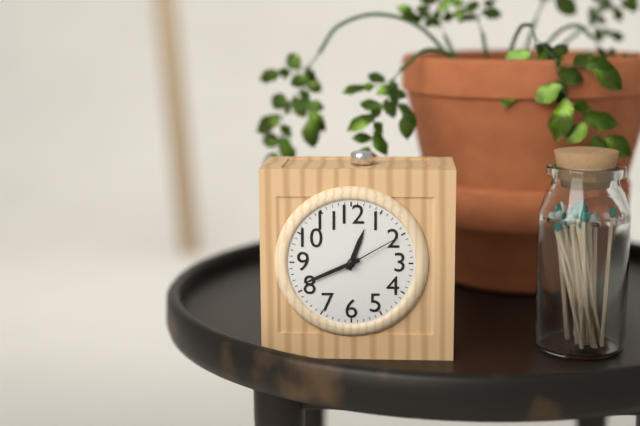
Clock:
{"hour": 12, "minute": 41, "second": 10}
